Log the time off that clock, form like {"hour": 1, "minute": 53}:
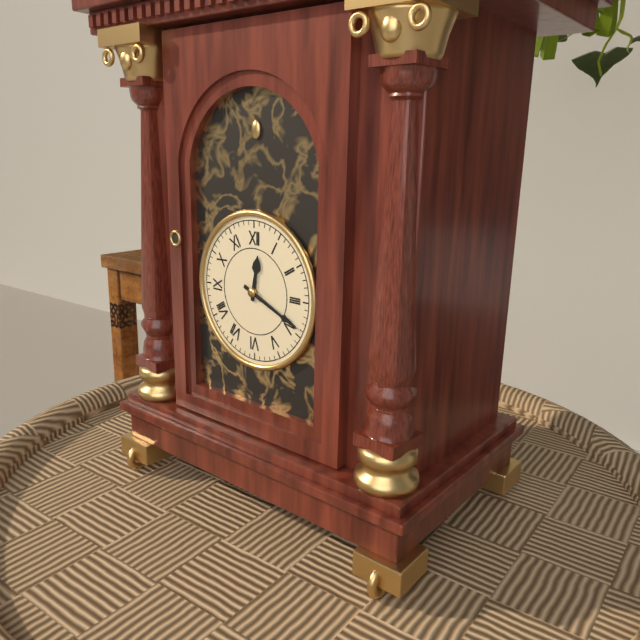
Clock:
{"hour": 12, "minute": 19}
